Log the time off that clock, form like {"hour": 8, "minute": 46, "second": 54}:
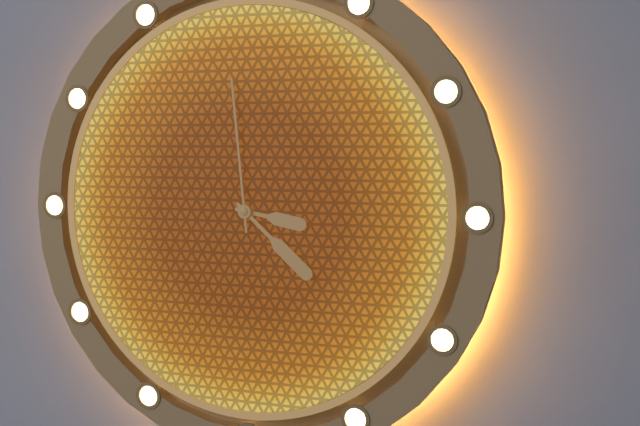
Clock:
{"hour": 3, "minute": 22, "second": 59}
